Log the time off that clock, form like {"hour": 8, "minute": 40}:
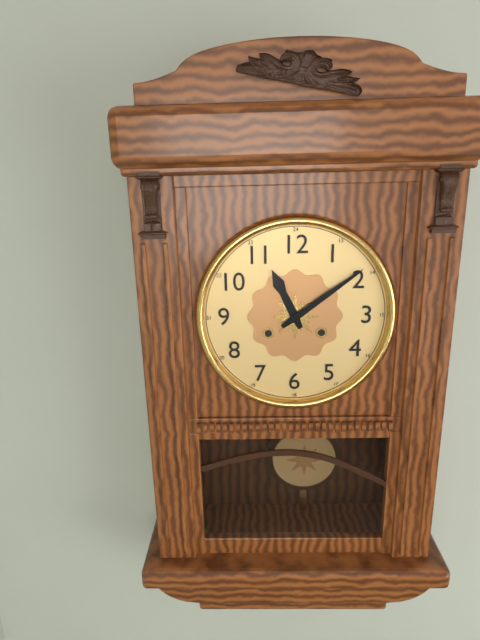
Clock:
{"hour": 11, "minute": 9}
